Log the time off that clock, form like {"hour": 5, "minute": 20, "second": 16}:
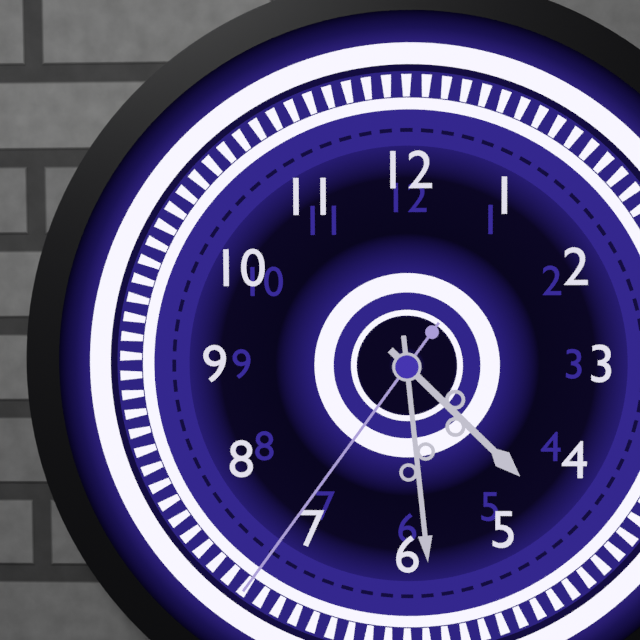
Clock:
{"hour": 4, "minute": 29, "second": 36}
